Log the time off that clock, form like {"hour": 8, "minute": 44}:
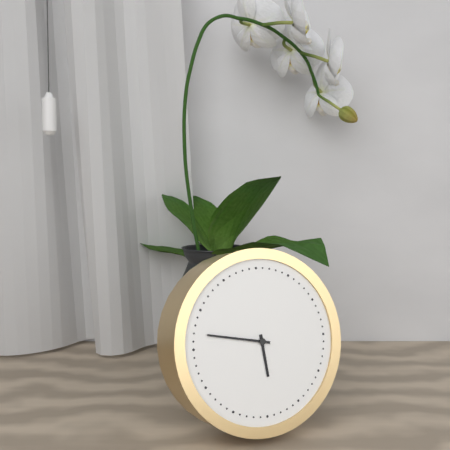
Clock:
{"hour": 5, "minute": 47}
